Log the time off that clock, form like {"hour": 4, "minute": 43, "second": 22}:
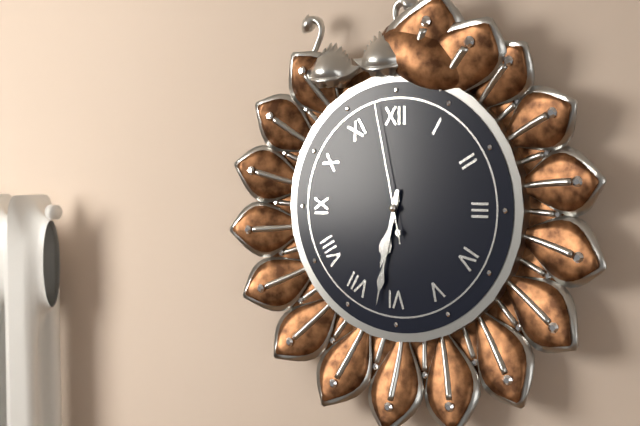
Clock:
{"hour": 6, "minute": 32, "second": 58}
